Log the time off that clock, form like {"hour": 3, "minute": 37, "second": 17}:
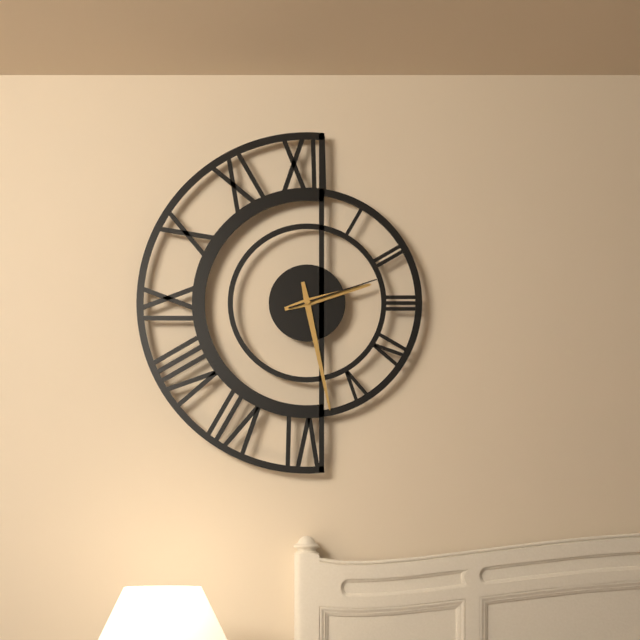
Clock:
{"hour": 2, "minute": 28, "second": 12}
